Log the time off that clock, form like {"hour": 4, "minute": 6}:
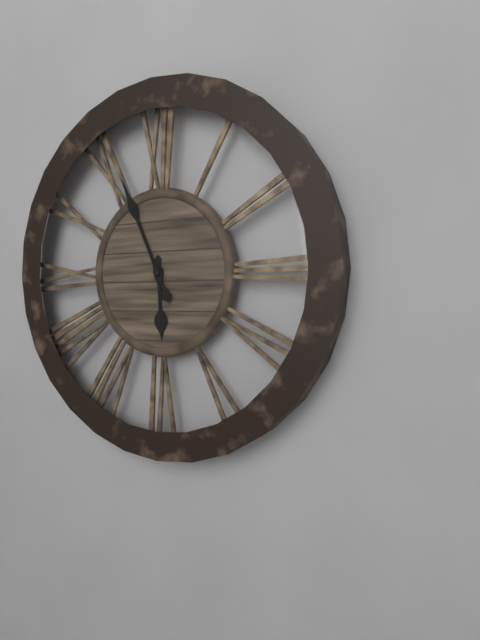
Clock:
{"hour": 5, "minute": 56}
